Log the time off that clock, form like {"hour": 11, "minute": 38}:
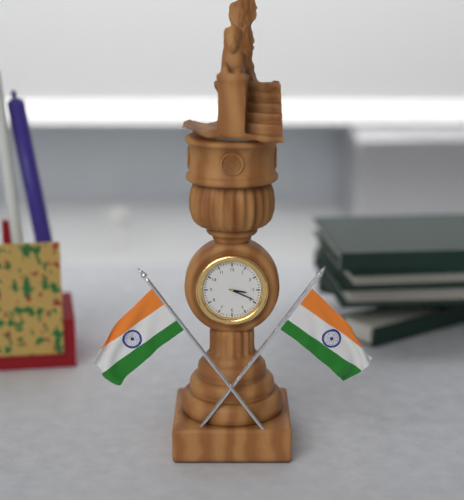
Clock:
{"hour": 3, "minute": 19}
